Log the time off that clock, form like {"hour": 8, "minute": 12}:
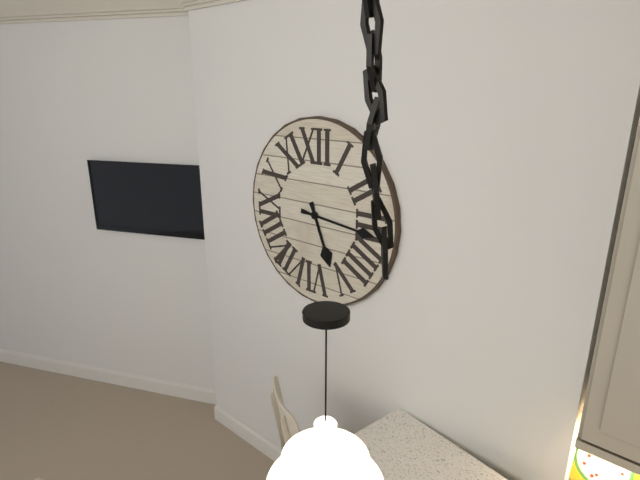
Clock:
{"hour": 5, "minute": 16}
